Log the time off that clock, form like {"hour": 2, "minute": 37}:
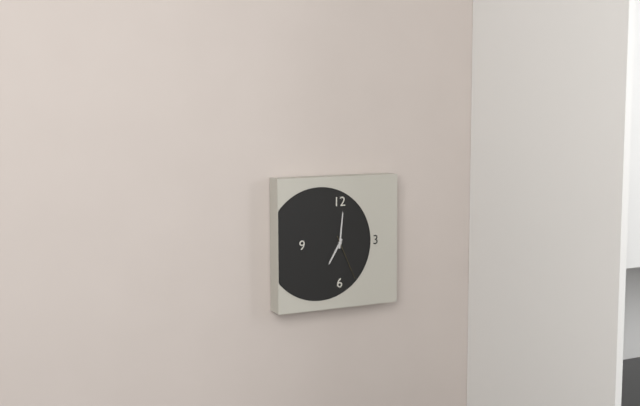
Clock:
{"hour": 7, "minute": 1}
